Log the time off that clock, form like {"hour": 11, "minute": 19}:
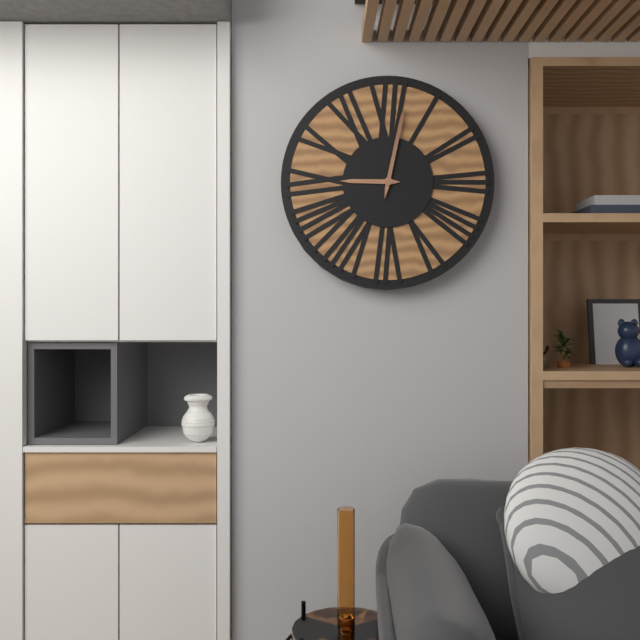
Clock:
{"hour": 9, "minute": 2}
